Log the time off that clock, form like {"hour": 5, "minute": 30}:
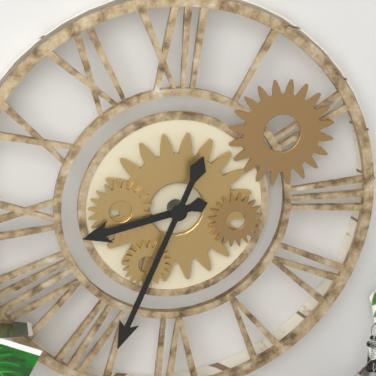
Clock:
{"hour": 8, "minute": 34}
